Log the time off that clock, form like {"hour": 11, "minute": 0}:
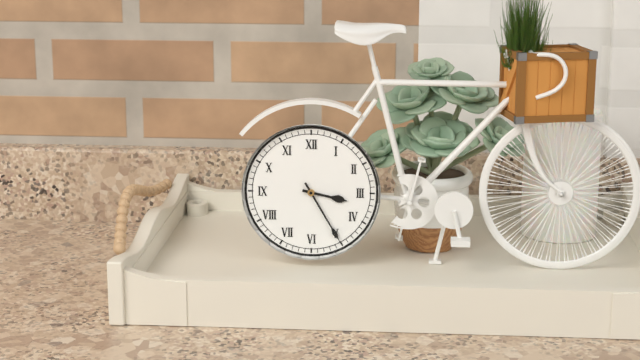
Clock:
{"hour": 3, "minute": 25}
